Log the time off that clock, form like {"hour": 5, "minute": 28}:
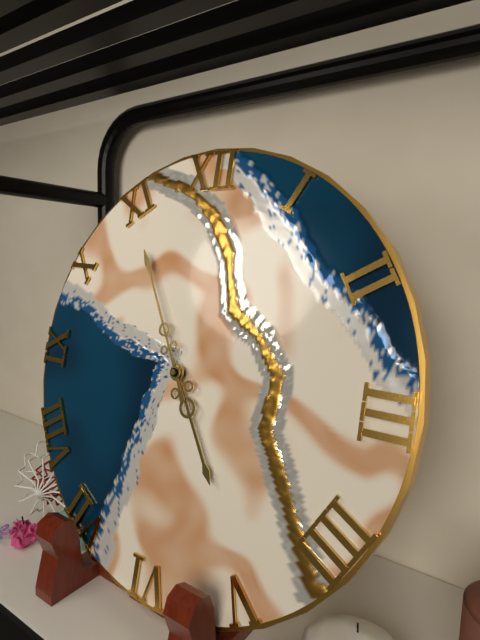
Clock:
{"hour": 4, "minute": 55}
